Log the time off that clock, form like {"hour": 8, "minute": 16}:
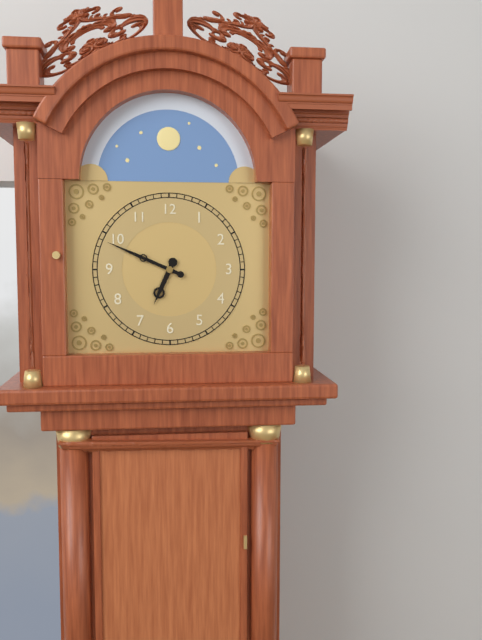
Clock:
{"hour": 6, "minute": 49}
